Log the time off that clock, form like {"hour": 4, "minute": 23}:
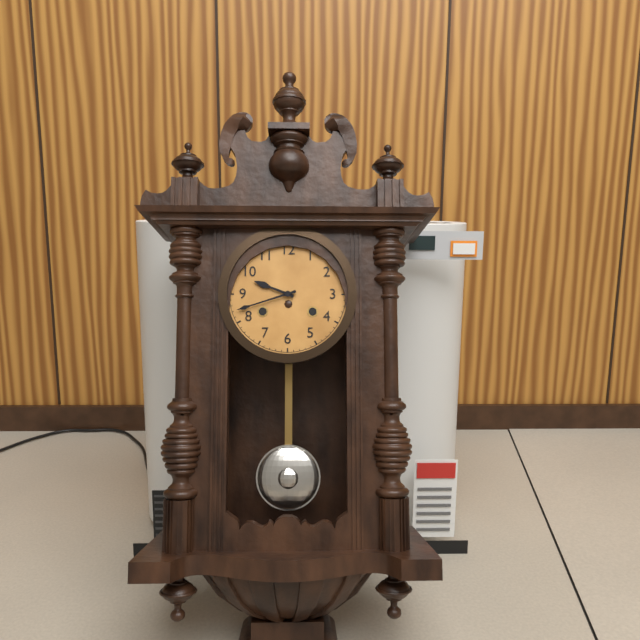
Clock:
{"hour": 9, "minute": 42}
